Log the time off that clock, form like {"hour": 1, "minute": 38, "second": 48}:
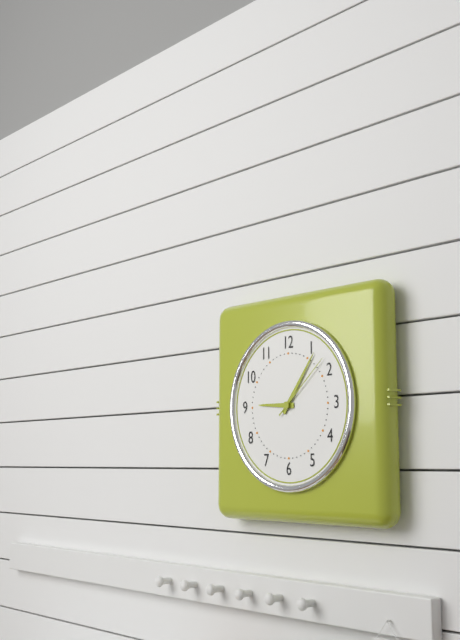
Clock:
{"hour": 9, "minute": 6, "second": 8}
